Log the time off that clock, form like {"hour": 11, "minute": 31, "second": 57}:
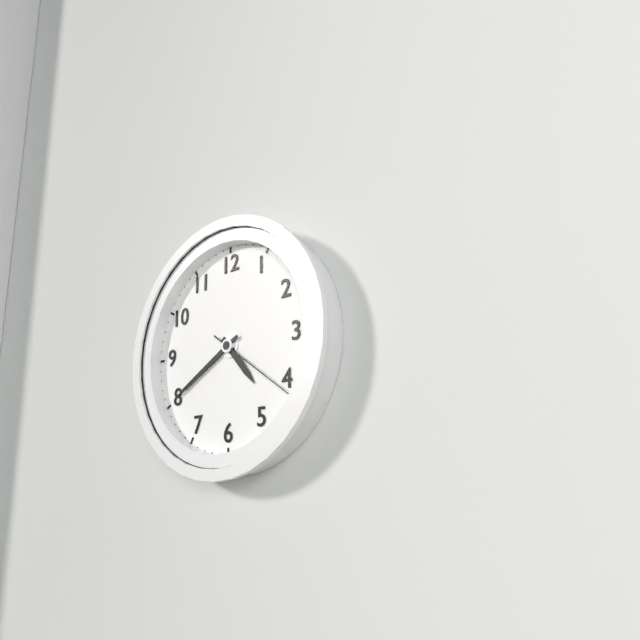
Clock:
{"hour": 4, "minute": 40, "second": 21}
